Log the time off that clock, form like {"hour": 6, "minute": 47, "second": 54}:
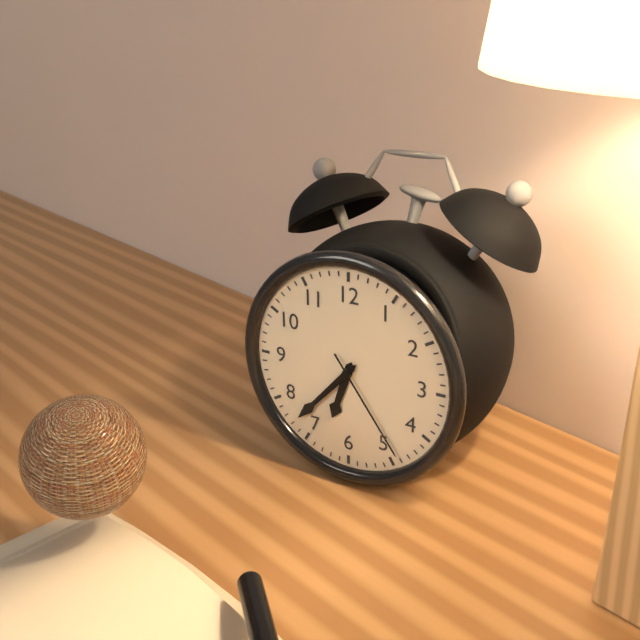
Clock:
{"hour": 6, "minute": 37, "second": 24}
